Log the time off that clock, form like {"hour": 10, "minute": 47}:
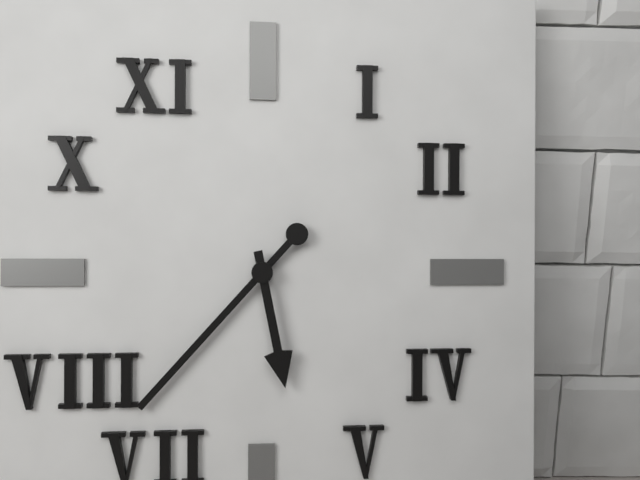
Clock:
{"hour": 5, "minute": 37}
